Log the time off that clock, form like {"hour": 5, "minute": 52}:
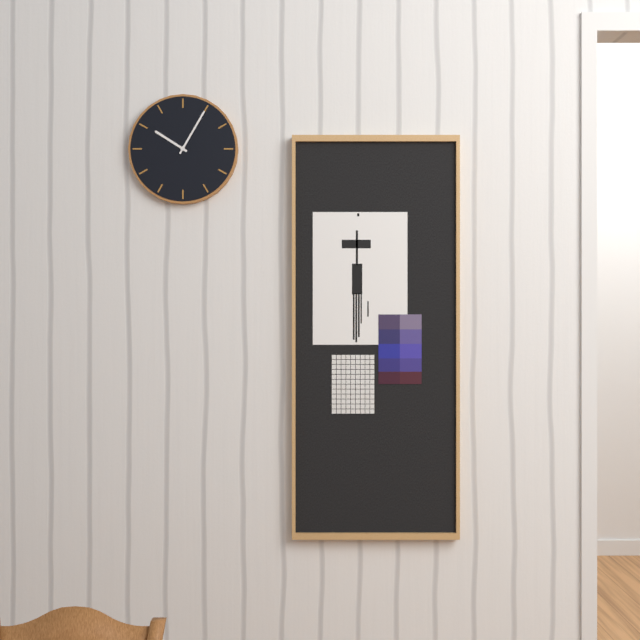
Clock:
{"hour": 10, "minute": 5}
